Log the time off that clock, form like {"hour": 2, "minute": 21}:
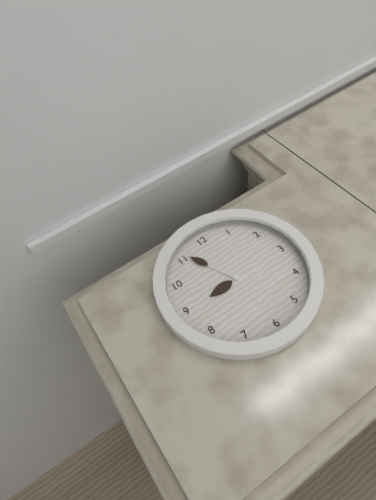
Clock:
{"hour": 8, "minute": 56}
